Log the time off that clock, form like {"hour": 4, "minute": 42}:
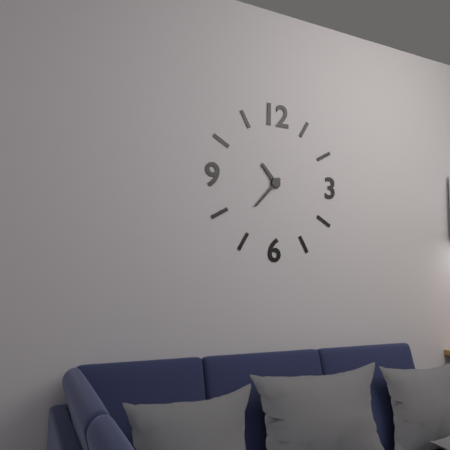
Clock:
{"hour": 10, "minute": 37}
